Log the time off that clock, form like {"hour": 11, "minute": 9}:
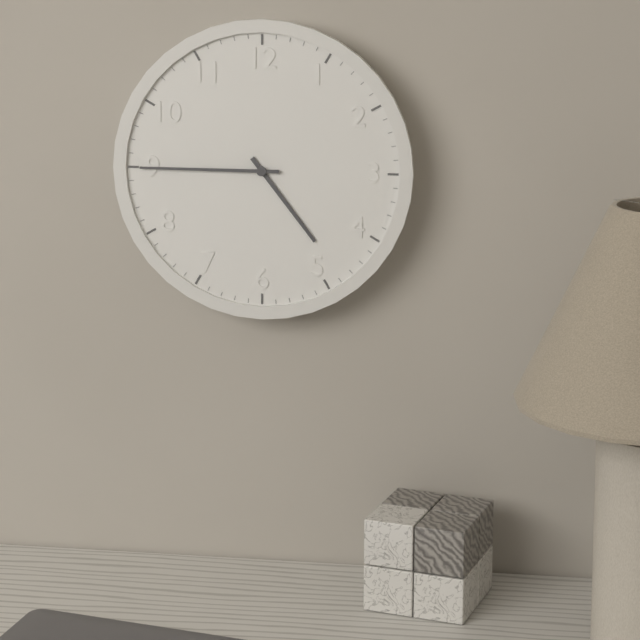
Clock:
{"hour": 4, "minute": 45}
